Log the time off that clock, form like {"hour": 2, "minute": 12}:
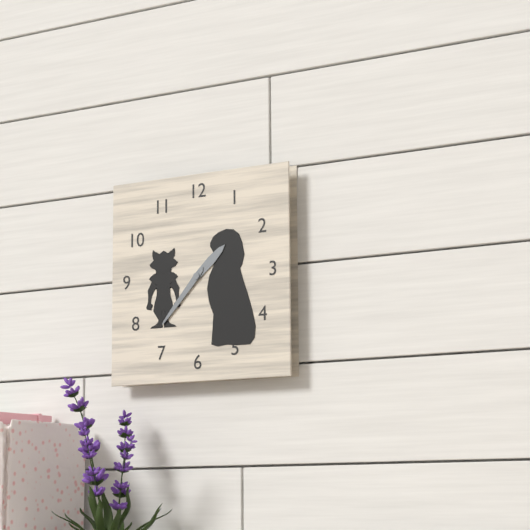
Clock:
{"hour": 1, "minute": 37}
